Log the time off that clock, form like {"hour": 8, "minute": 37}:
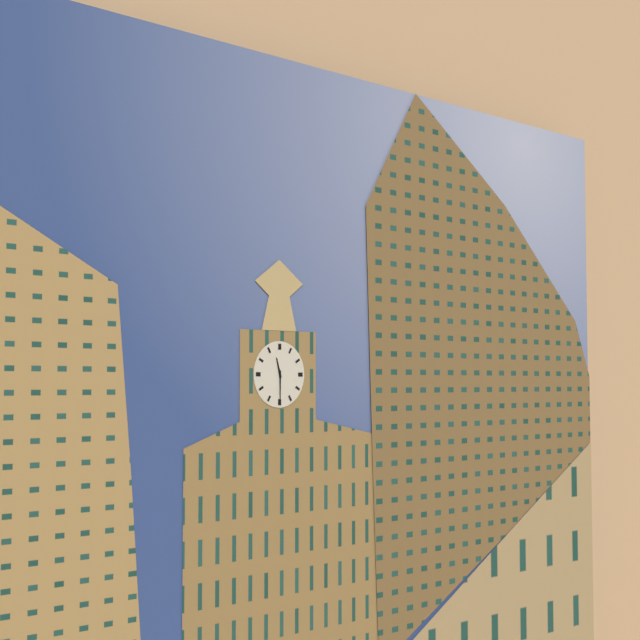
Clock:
{"hour": 11, "minute": 30}
